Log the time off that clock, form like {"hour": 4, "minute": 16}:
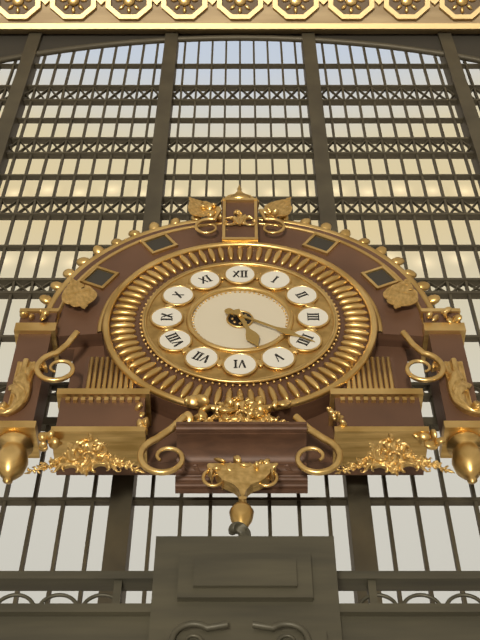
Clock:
{"hour": 5, "minute": 20}
